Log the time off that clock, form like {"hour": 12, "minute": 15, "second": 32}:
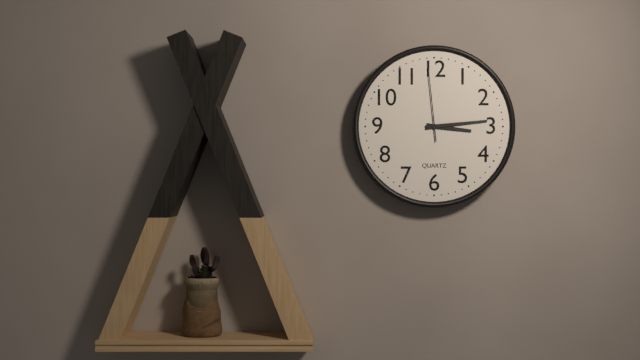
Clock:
{"hour": 3, "minute": 14, "second": 59}
